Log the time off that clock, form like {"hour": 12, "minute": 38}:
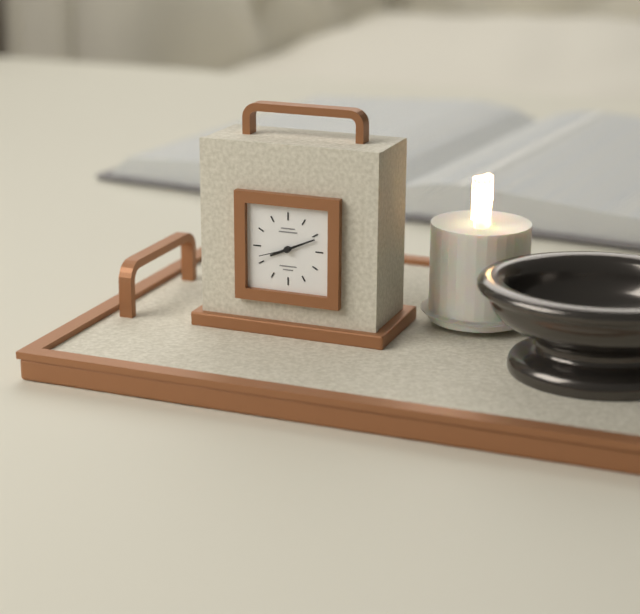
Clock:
{"hour": 8, "minute": 11}
